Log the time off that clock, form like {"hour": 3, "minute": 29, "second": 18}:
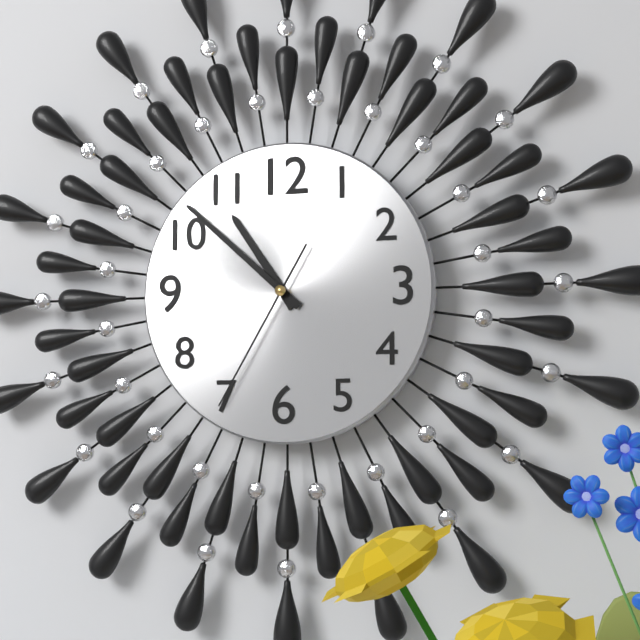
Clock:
{"hour": 10, "minute": 52, "second": 35}
